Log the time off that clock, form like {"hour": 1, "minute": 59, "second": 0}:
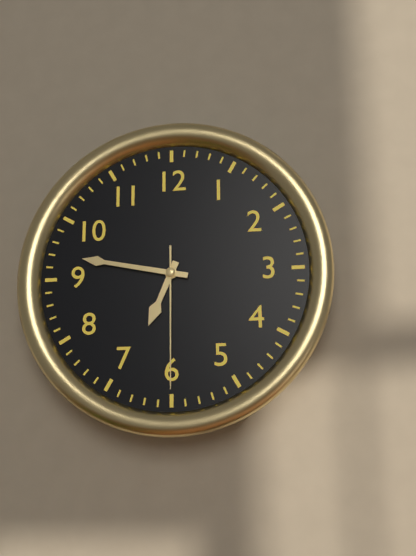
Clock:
{"hour": 6, "minute": 47, "second": 30}
